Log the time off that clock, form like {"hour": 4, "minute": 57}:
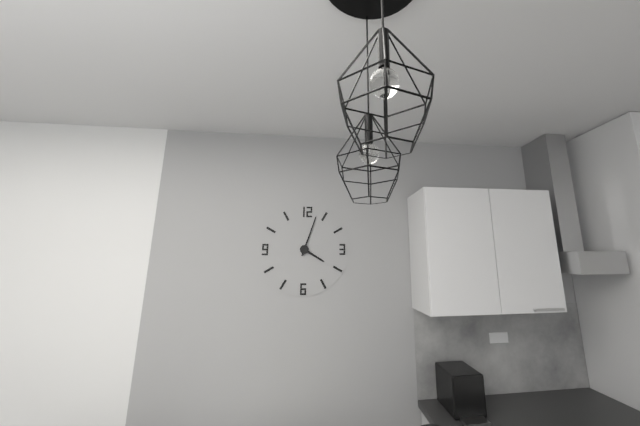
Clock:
{"hour": 4, "minute": 3}
